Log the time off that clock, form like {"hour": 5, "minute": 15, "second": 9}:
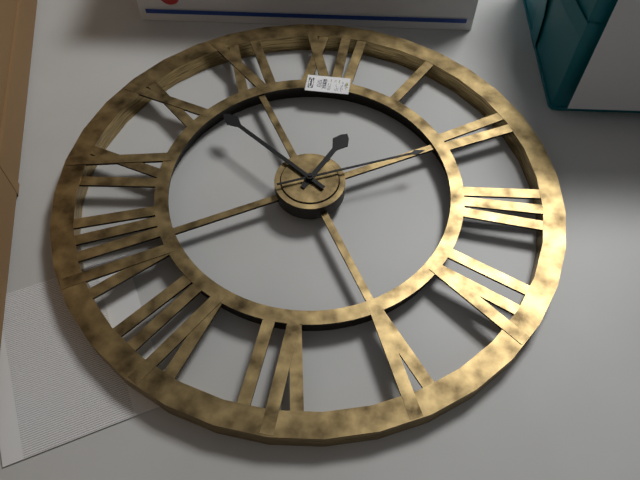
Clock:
{"hour": 12, "minute": 51, "second": 11}
